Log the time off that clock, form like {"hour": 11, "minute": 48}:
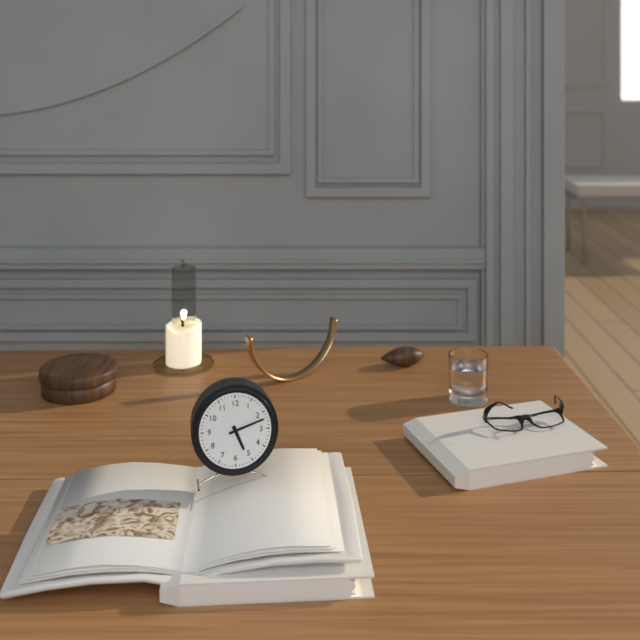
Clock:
{"hour": 5, "minute": 12}
